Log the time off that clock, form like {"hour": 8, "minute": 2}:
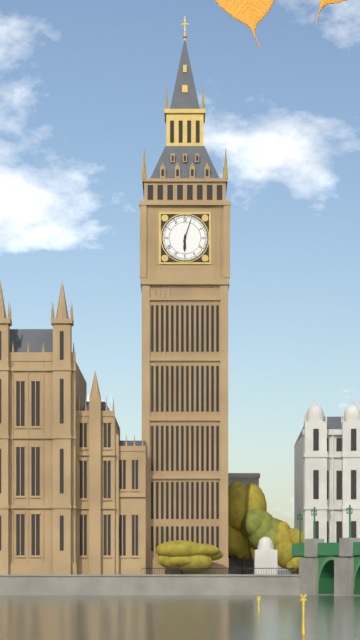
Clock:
{"hour": 6, "minute": 3}
